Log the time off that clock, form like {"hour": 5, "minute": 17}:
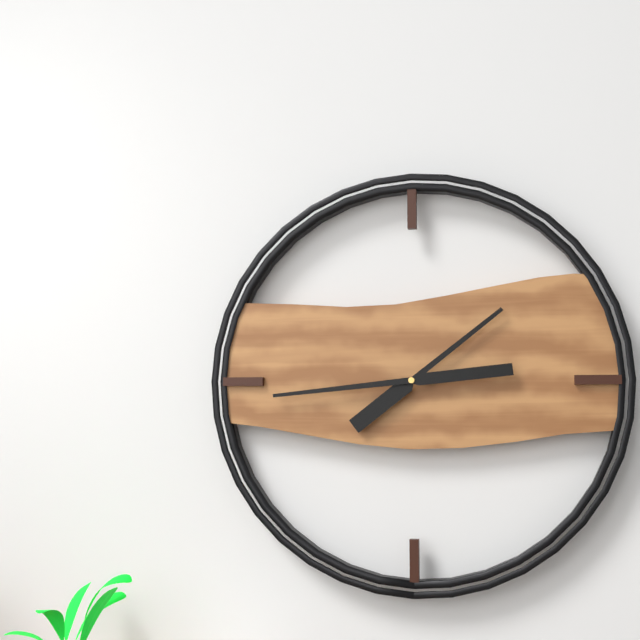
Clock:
{"hour": 1, "minute": 44}
